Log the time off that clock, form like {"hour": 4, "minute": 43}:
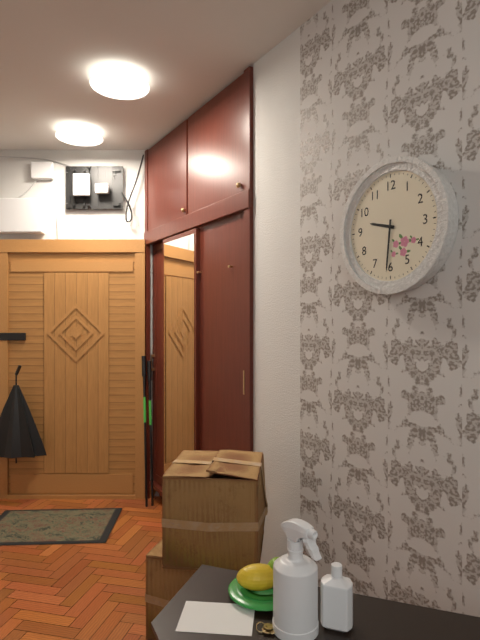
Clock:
{"hour": 9, "minute": 31}
